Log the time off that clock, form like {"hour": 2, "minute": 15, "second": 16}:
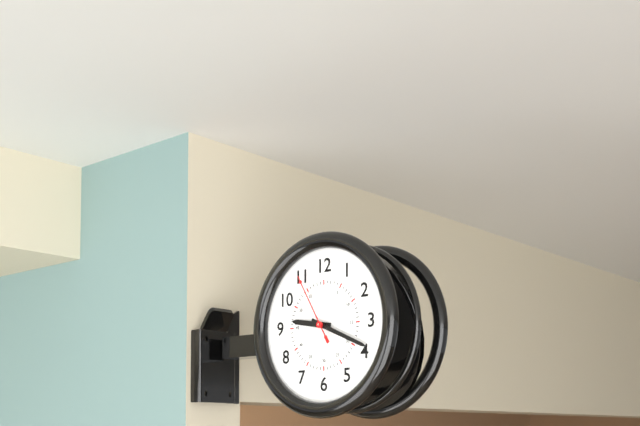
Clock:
{"hour": 9, "minute": 19, "second": 55}
